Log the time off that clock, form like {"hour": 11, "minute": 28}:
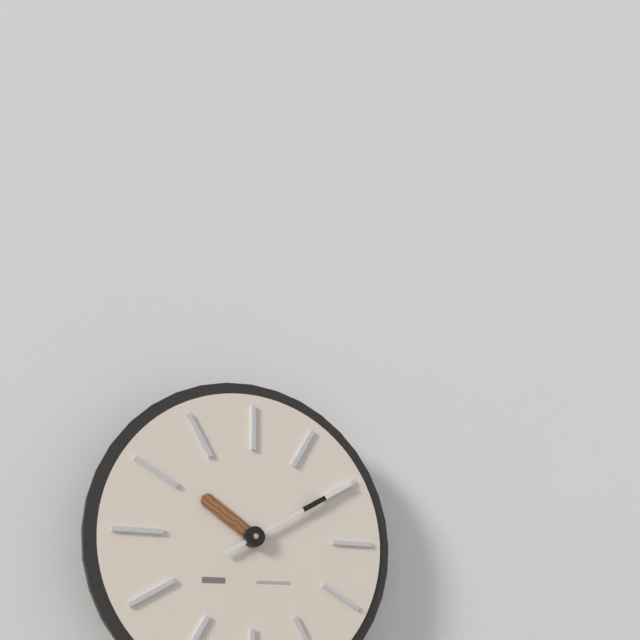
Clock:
{"hour": 10, "minute": 10}
